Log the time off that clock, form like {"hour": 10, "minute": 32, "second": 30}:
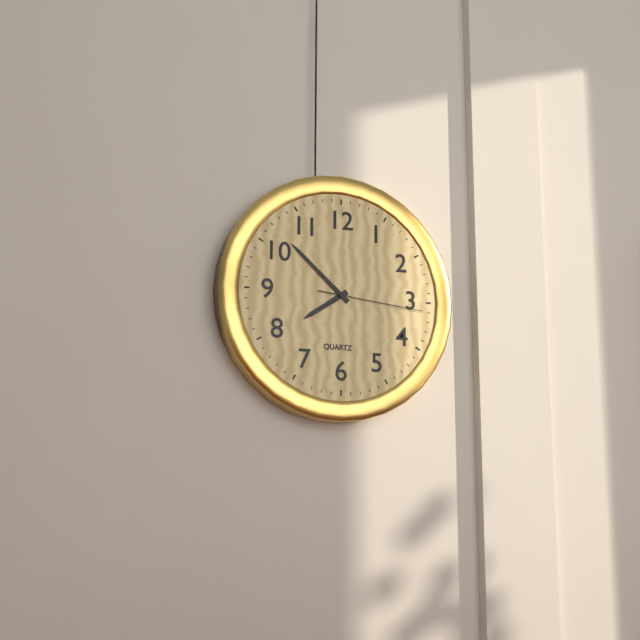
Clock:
{"hour": 7, "minute": 52, "second": 16}
